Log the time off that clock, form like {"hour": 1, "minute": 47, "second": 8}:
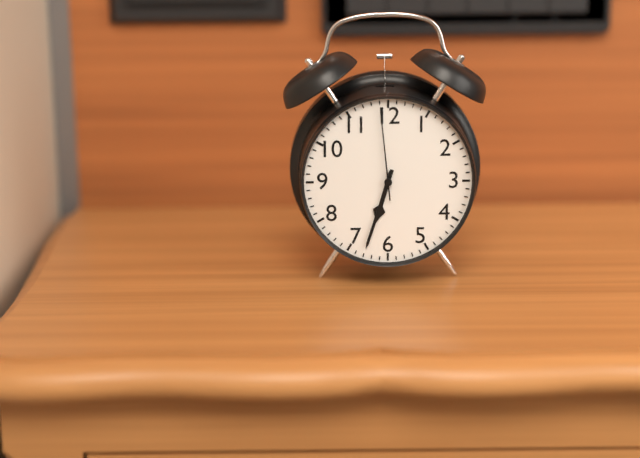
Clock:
{"hour": 6, "minute": 33, "second": 59}
